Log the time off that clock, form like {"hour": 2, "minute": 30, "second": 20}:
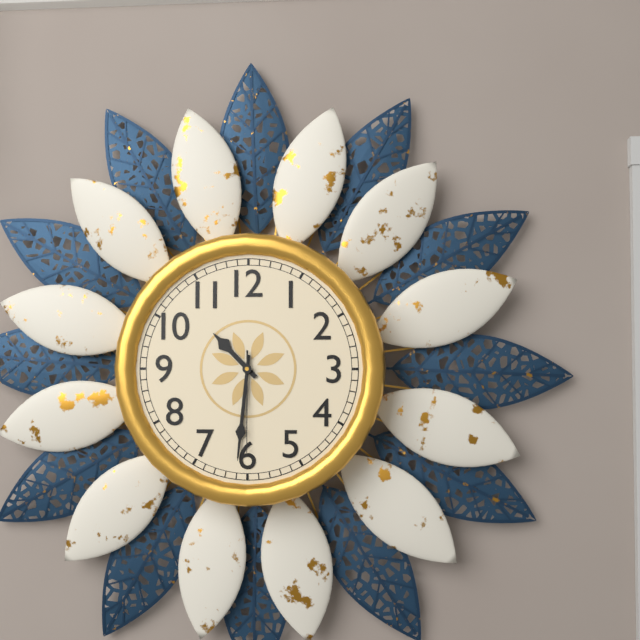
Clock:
{"hour": 10, "minute": 31, "second": 30}
